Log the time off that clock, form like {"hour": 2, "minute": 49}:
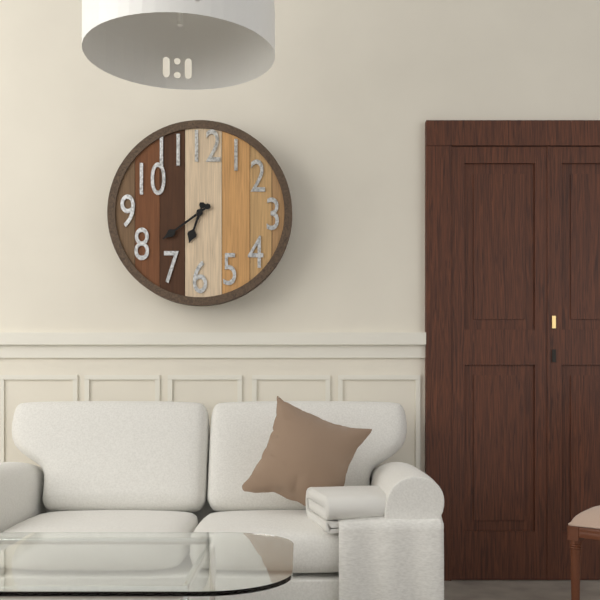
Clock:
{"hour": 6, "minute": 39}
